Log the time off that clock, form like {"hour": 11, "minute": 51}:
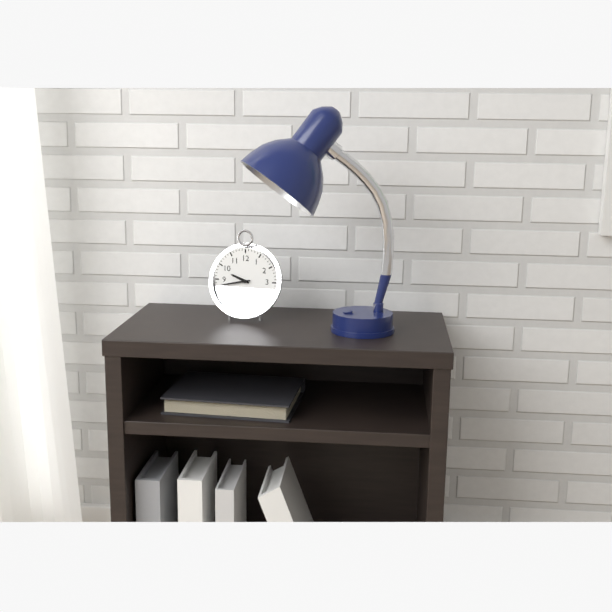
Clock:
{"hour": 9, "minute": 43}
